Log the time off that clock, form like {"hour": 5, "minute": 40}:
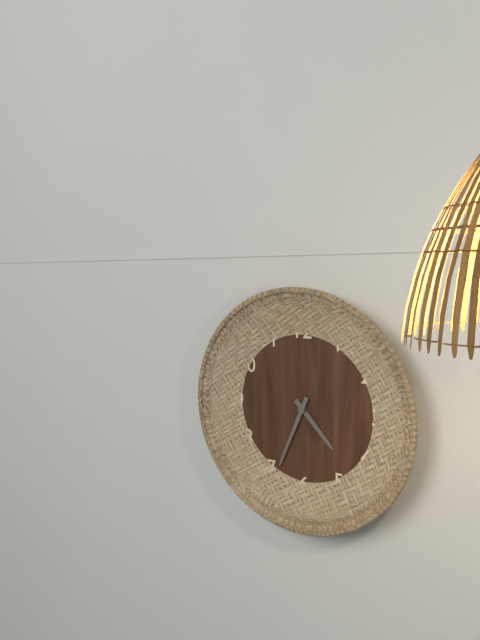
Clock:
{"hour": 4, "minute": 34}
